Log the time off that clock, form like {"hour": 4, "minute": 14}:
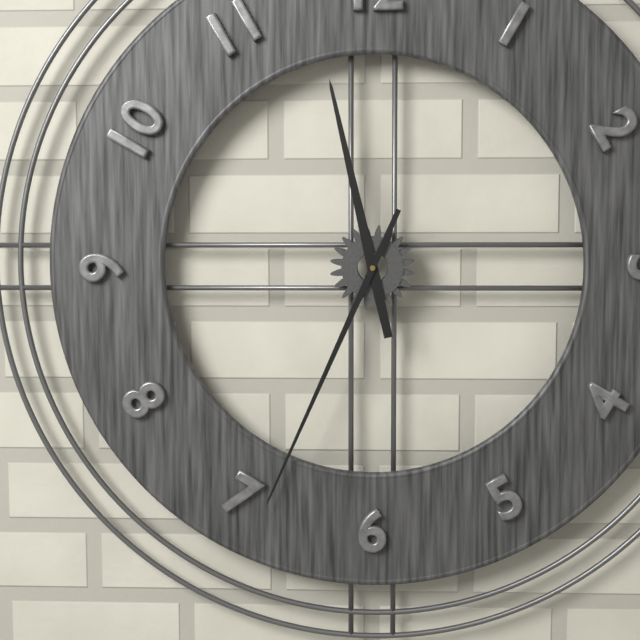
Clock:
{"hour": 11, "minute": 34}
